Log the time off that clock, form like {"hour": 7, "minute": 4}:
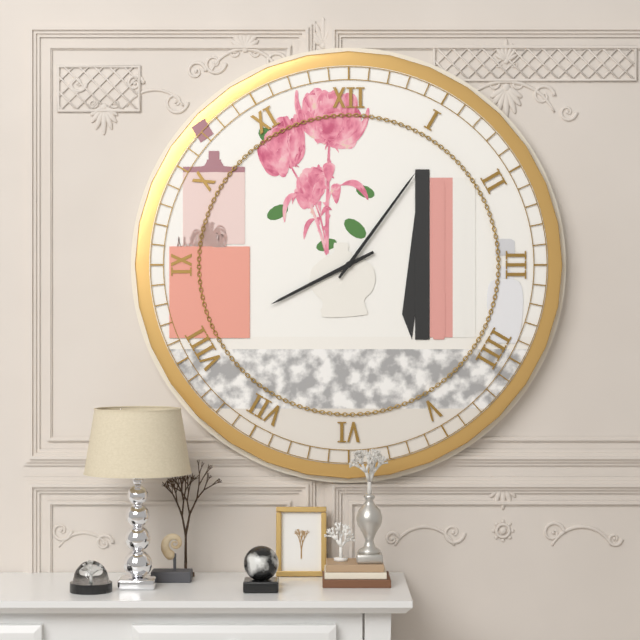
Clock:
{"hour": 8, "minute": 6}
